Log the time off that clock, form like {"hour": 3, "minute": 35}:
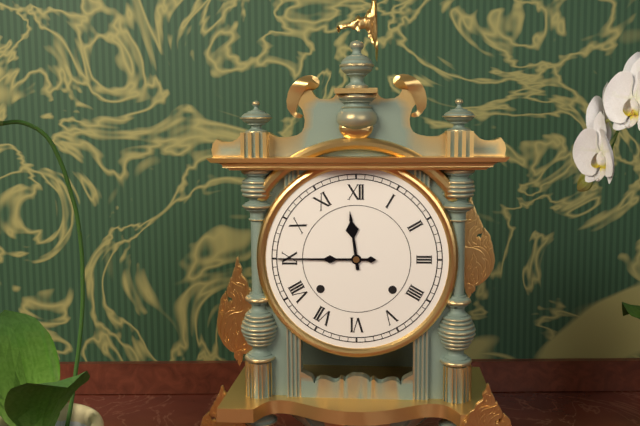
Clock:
{"hour": 11, "minute": 45}
